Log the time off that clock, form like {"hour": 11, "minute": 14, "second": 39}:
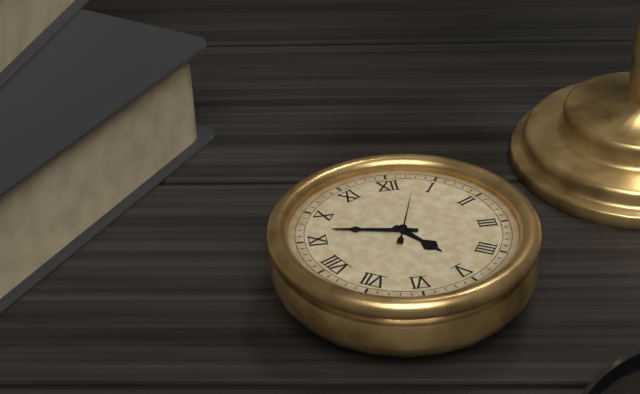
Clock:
{"hour": 4, "minute": 47, "second": 3}
